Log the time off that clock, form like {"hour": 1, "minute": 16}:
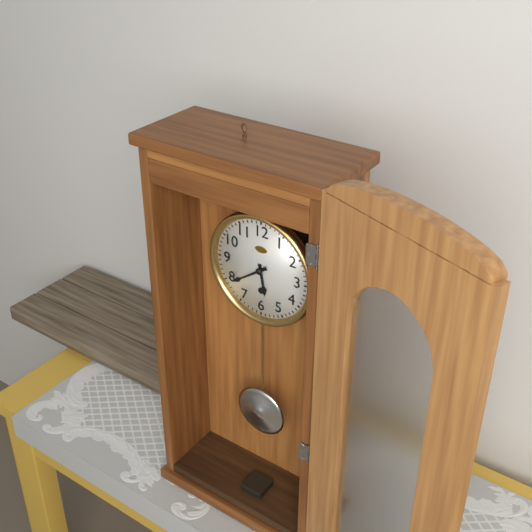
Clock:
{"hour": 5, "minute": 39}
